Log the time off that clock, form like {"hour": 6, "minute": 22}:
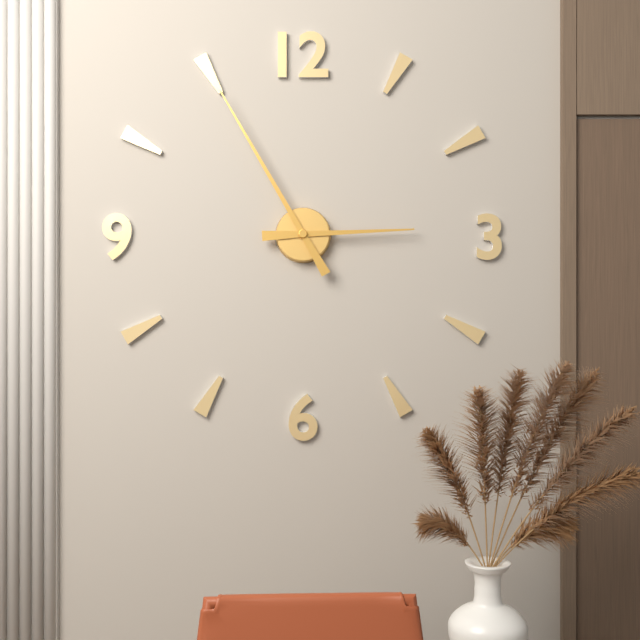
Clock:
{"hour": 2, "minute": 55}
